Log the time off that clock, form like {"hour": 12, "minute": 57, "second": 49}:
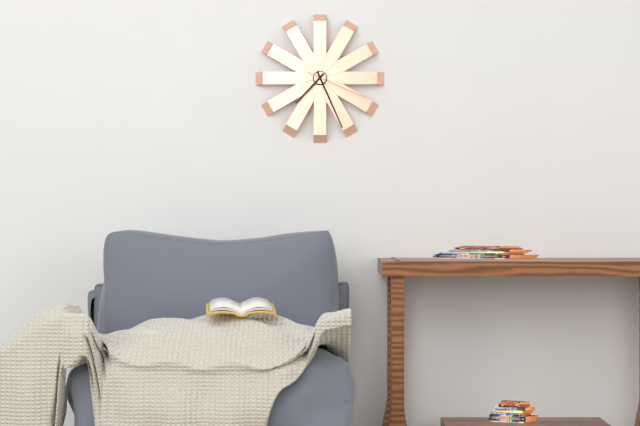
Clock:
{"hour": 7, "minute": 26, "second": 19}
